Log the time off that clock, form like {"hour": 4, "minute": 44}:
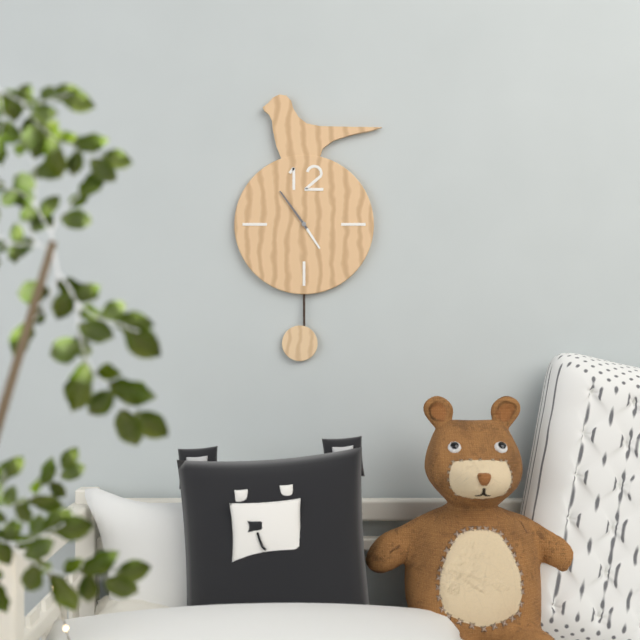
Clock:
{"hour": 4, "minute": 54}
